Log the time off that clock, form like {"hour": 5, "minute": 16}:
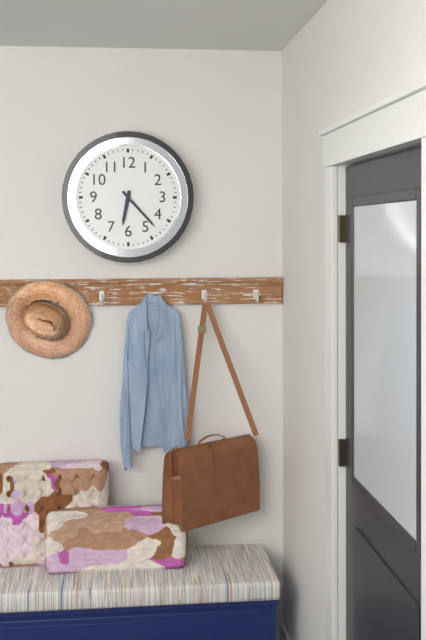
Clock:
{"hour": 6, "minute": 23}
